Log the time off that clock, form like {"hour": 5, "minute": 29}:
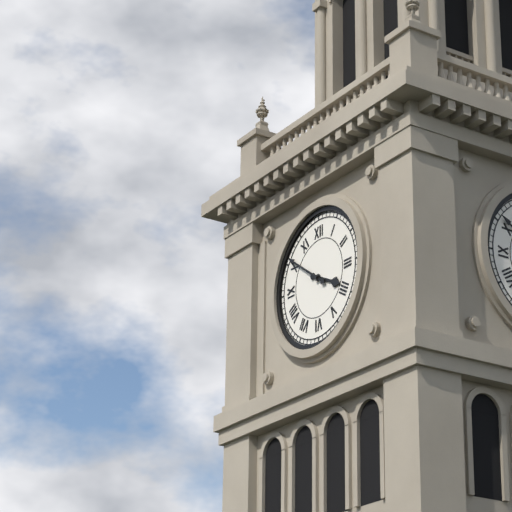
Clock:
{"hour": 3, "minute": 51}
